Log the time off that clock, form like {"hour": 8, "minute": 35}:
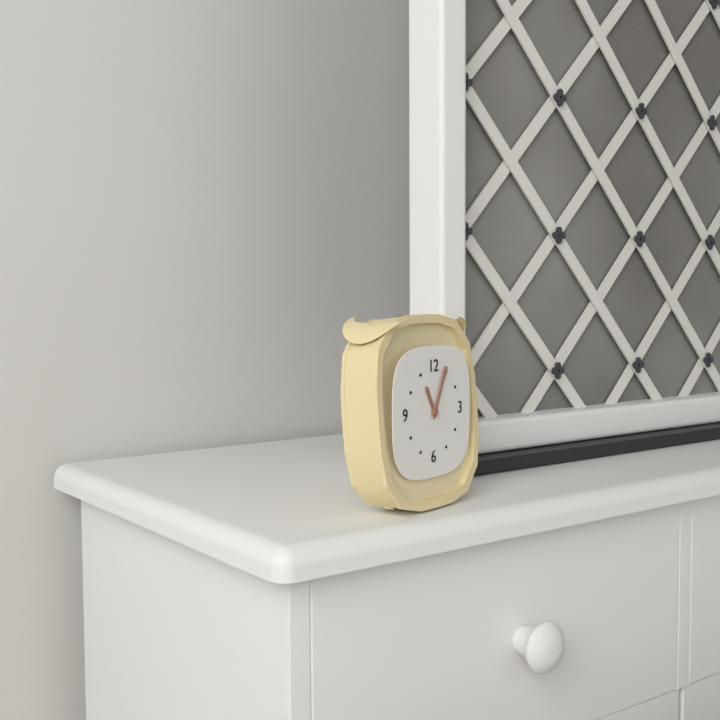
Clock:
{"hour": 11, "minute": 4}
